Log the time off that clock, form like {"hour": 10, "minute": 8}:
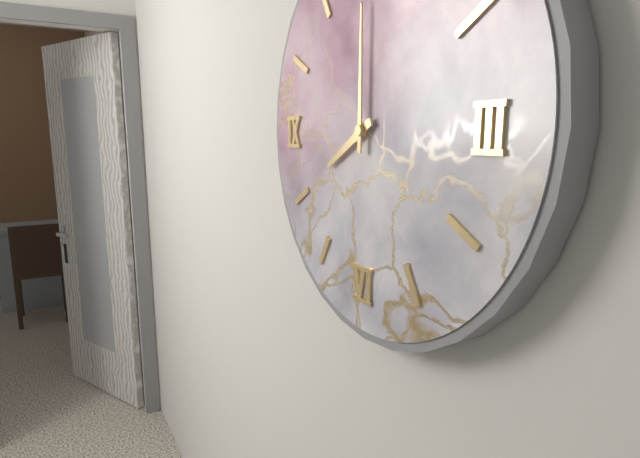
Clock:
{"hour": 8, "minute": 0}
